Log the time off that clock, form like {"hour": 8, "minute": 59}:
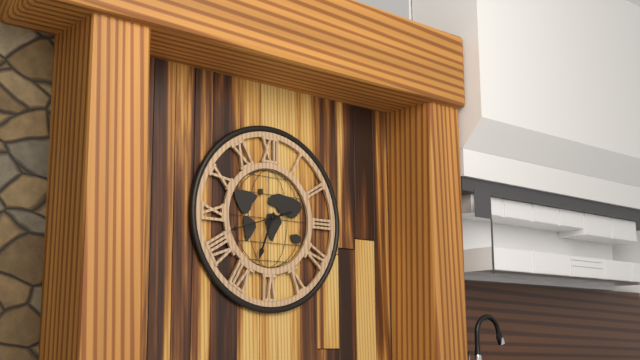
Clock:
{"hour": 6, "minute": 42}
